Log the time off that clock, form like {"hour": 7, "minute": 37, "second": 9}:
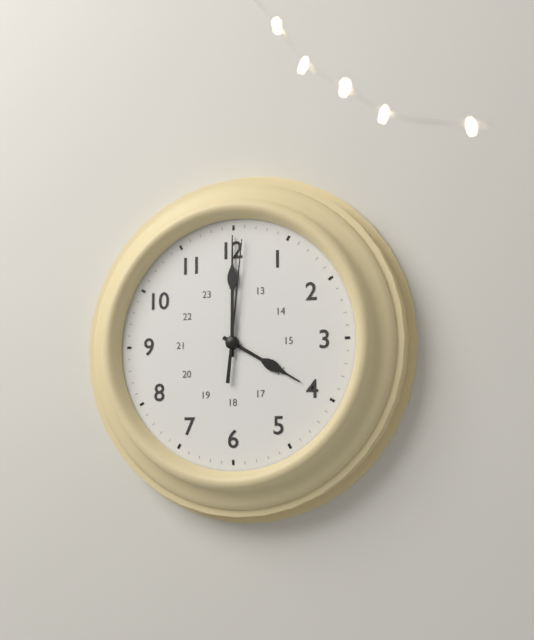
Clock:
{"hour": 4, "minute": 0, "second": 1}
